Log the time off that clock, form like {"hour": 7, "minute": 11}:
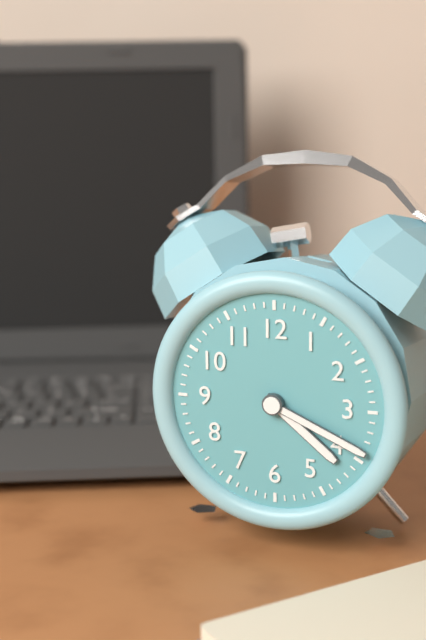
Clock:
{"hour": 4, "minute": 19}
